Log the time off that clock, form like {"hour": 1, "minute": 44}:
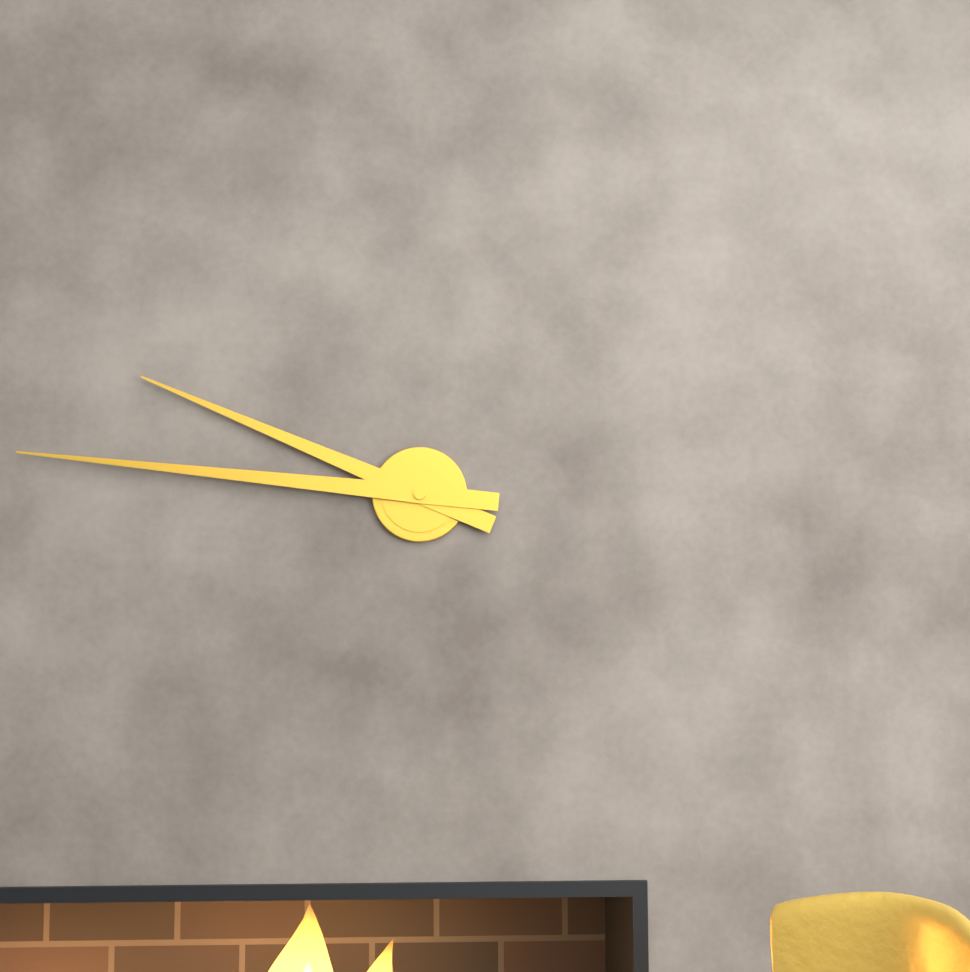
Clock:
{"hour": 9, "minute": 46}
